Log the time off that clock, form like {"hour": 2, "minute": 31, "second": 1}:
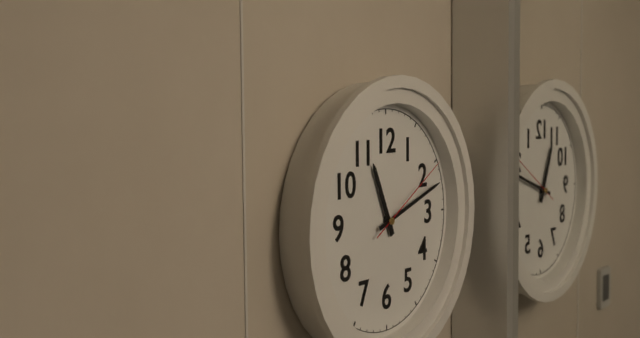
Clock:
{"hour": 11, "minute": 12, "second": 10}
